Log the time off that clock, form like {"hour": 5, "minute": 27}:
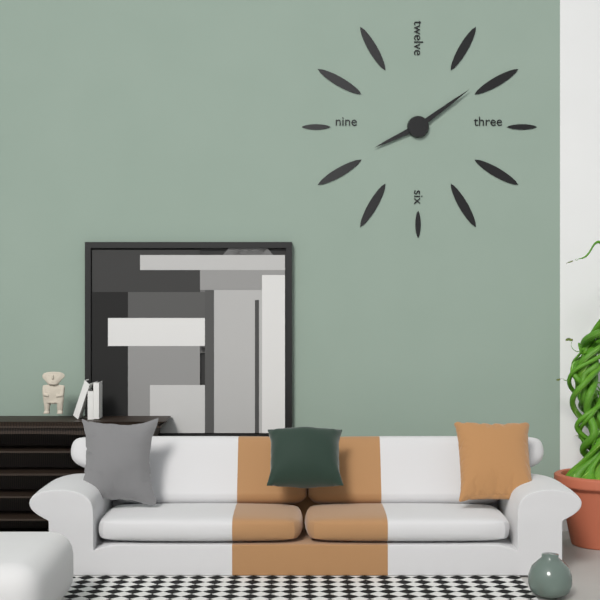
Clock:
{"hour": 8, "minute": 9}
